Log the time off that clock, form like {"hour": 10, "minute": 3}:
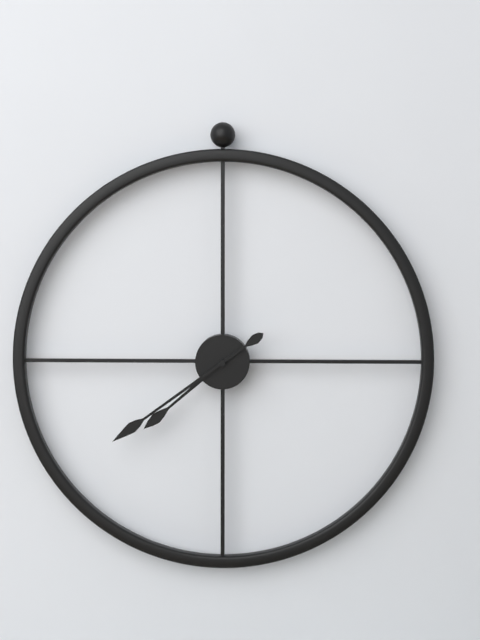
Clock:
{"hour": 7, "minute": 39}
